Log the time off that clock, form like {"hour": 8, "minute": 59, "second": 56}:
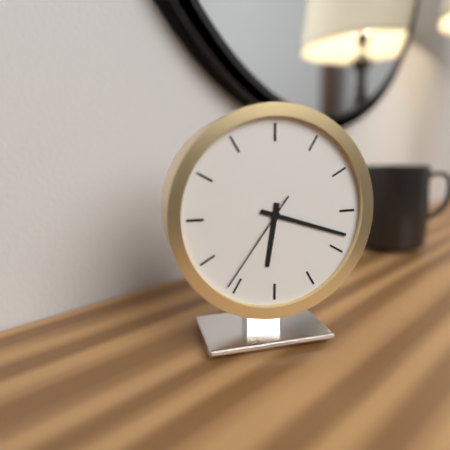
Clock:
{"hour": 6, "minute": 18, "second": 36}
